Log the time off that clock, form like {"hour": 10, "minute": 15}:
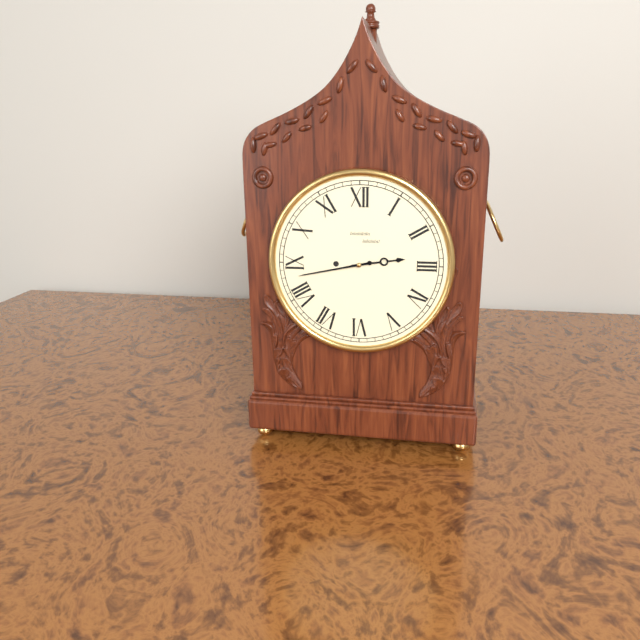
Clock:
{"hour": 2, "minute": 43}
